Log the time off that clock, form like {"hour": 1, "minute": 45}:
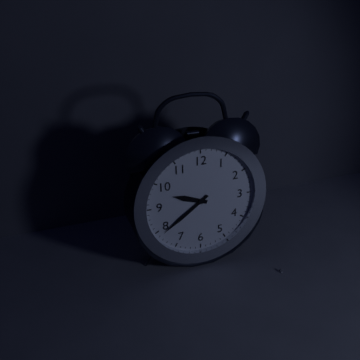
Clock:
{"hour": 9, "minute": 39}
